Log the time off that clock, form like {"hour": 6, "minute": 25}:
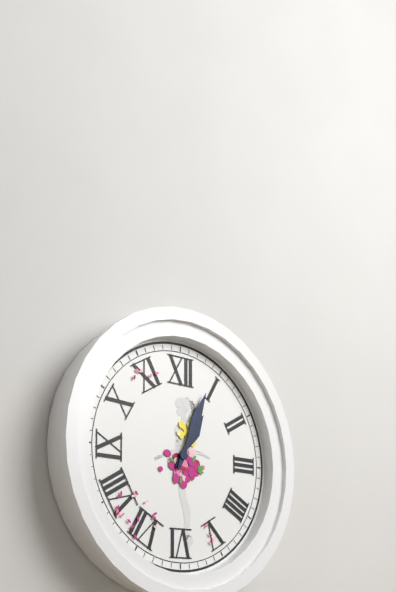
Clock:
{"hour": 1, "minute": 4}
